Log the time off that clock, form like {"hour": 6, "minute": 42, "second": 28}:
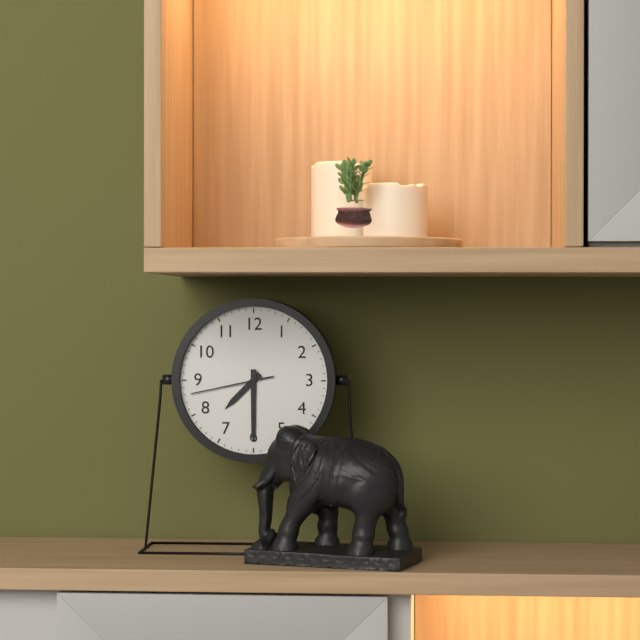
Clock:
{"hour": 7, "minute": 30, "second": 43}
